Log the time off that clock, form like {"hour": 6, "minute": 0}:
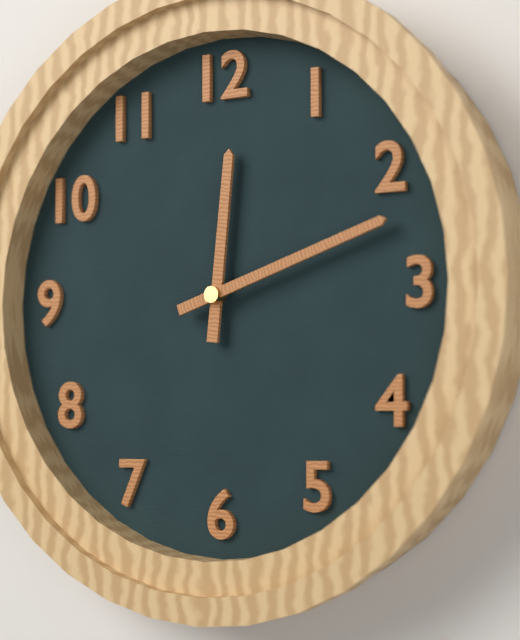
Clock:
{"hour": 12, "minute": 12}
